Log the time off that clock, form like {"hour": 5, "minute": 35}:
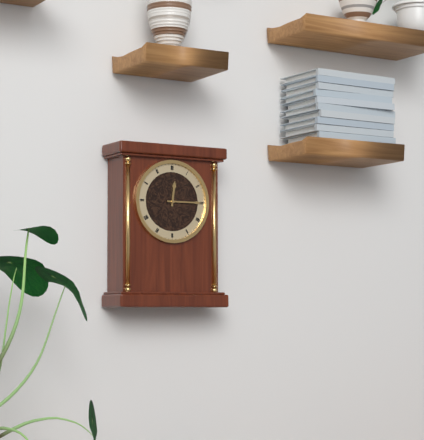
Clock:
{"hour": 12, "minute": 15}
